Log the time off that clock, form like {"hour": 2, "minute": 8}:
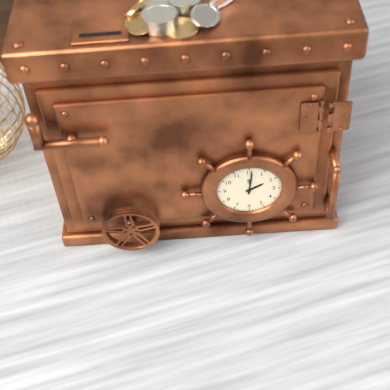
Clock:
{"hour": 2, "minute": 1}
